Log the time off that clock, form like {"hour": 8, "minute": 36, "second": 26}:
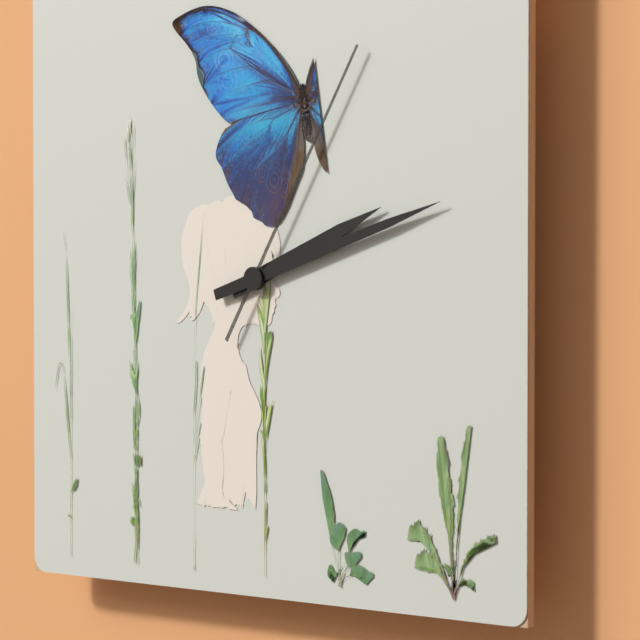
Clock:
{"hour": 2, "minute": 12, "second": 5}
